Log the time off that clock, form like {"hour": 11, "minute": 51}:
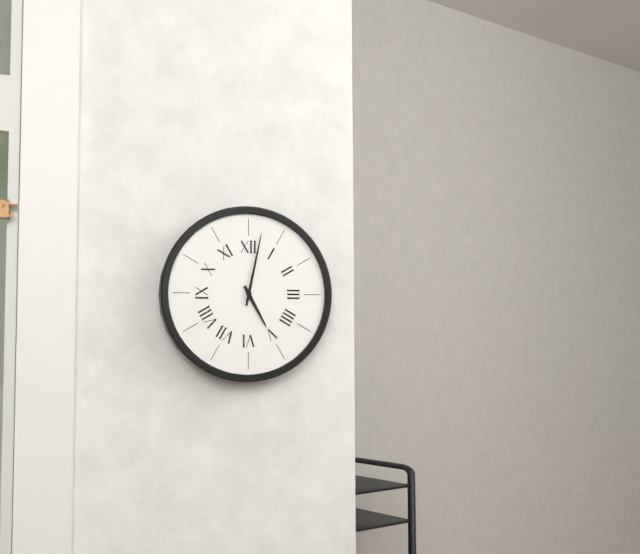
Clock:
{"hour": 5, "minute": 2}
